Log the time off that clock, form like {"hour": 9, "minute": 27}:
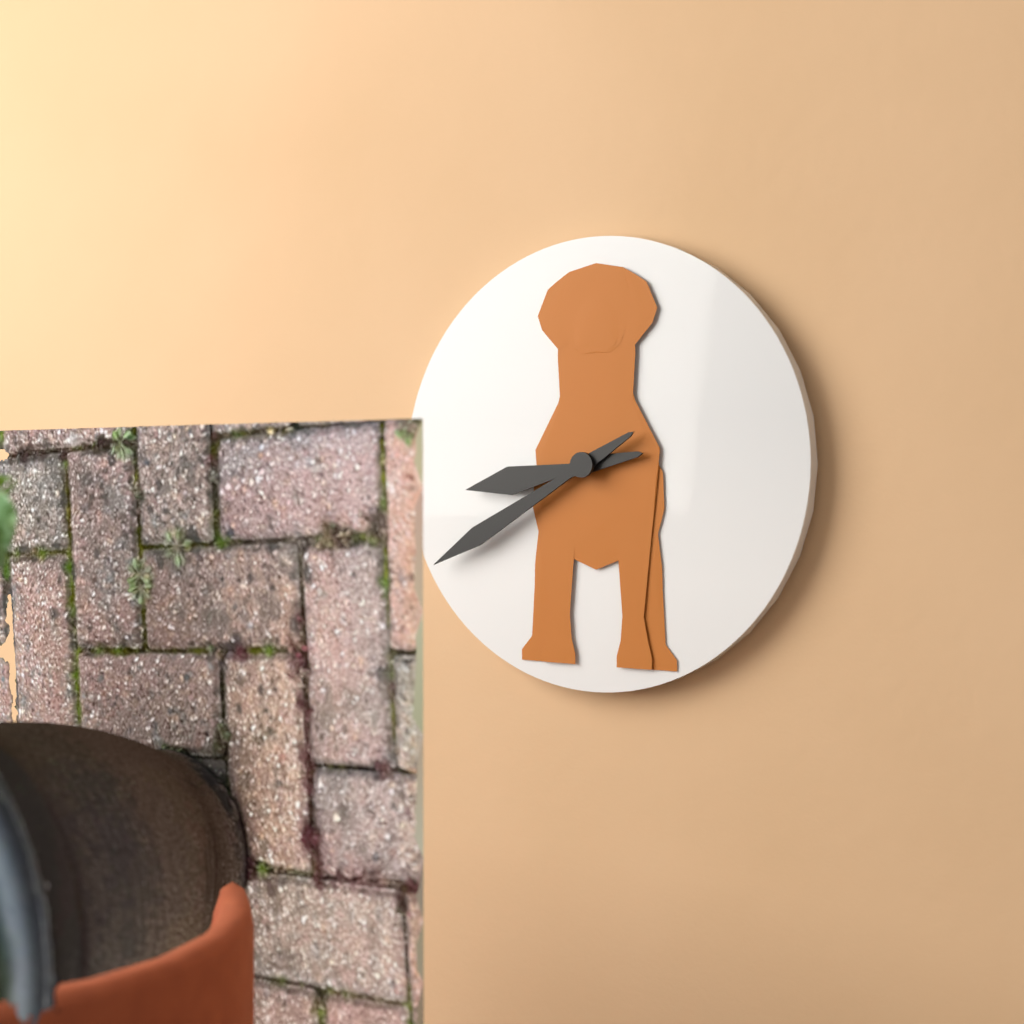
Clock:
{"hour": 8, "minute": 40}
